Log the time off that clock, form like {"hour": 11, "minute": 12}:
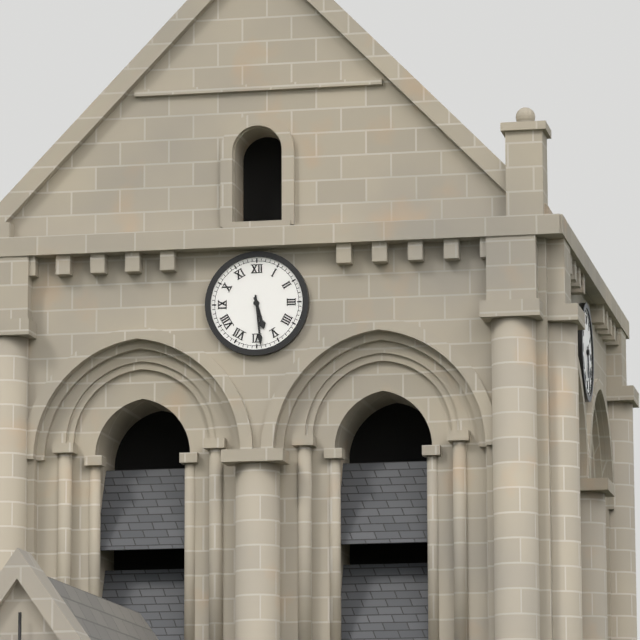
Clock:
{"hour": 5, "minute": 29}
